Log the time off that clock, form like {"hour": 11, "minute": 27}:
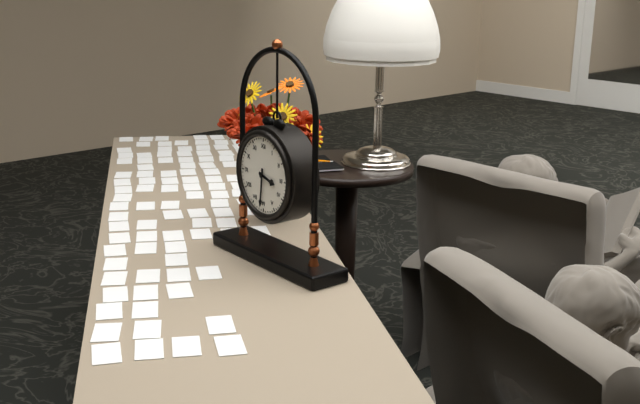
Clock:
{"hour": 3, "minute": 31}
